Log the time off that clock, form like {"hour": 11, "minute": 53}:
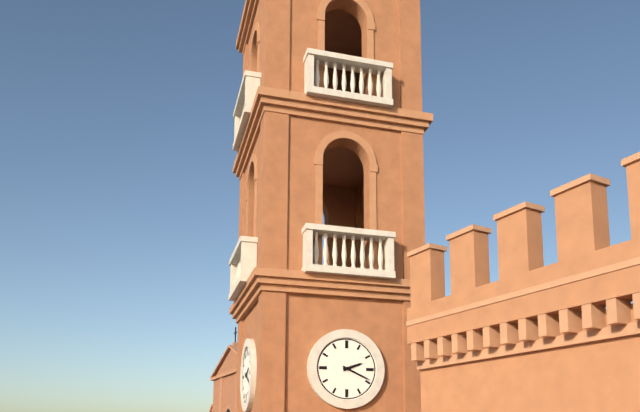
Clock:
{"hour": 2, "minute": 19}
